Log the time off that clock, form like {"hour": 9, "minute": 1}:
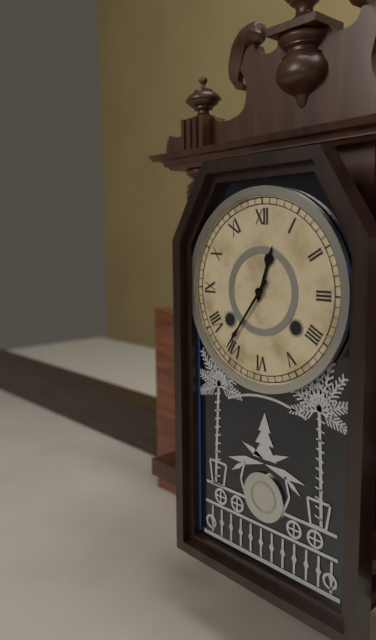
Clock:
{"hour": 12, "minute": 36}
